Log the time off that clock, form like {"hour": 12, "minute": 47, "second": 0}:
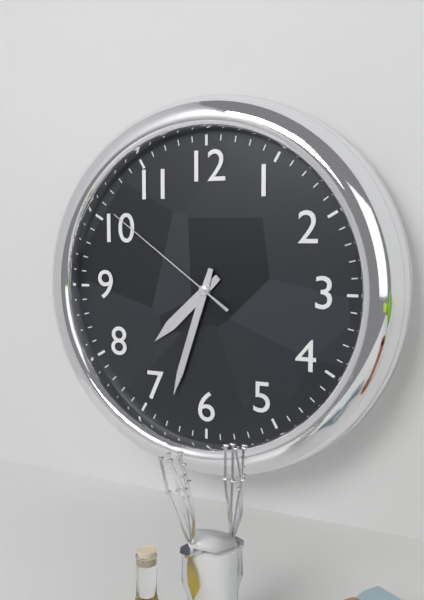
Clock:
{"hour": 7, "minute": 33, "second": 51}
